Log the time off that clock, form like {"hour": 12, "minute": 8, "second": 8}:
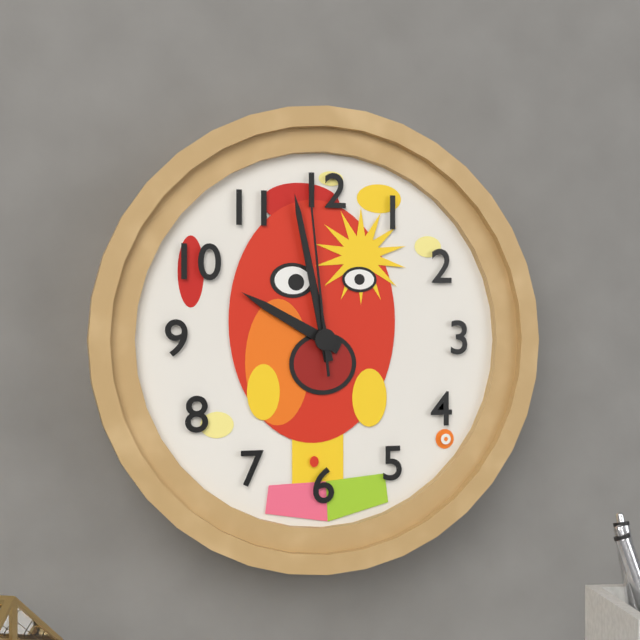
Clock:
{"hour": 9, "minute": 58, "second": 59}
